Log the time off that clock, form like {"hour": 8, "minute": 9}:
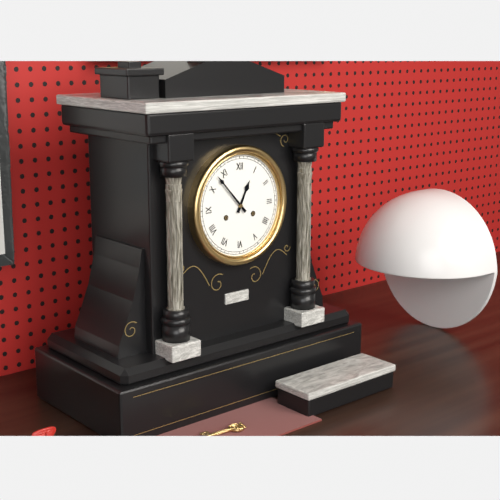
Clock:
{"hour": 12, "minute": 53}
